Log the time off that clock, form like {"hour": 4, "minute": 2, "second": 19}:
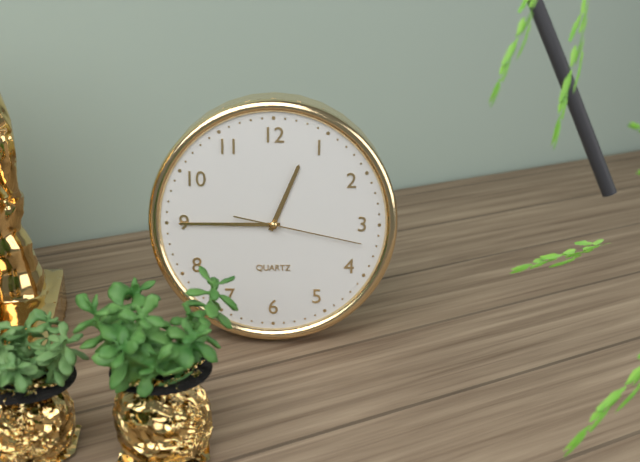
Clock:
{"hour": 12, "minute": 45, "second": 17}
